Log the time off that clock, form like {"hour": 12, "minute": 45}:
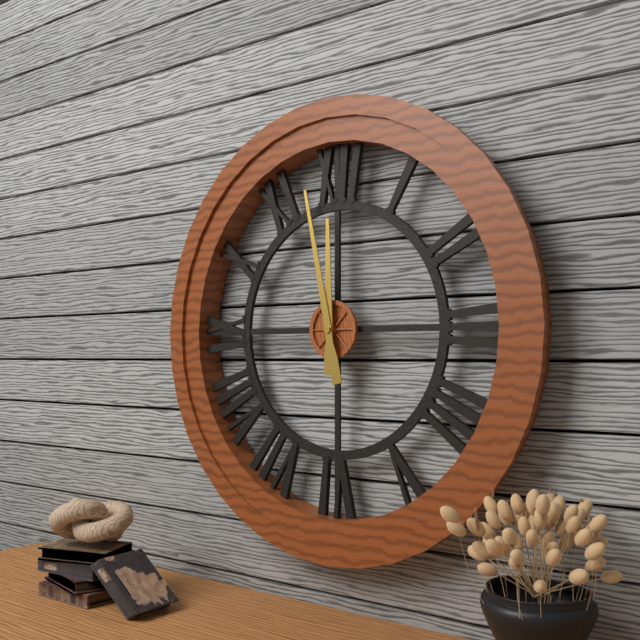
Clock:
{"hour": 11, "minute": 58}
